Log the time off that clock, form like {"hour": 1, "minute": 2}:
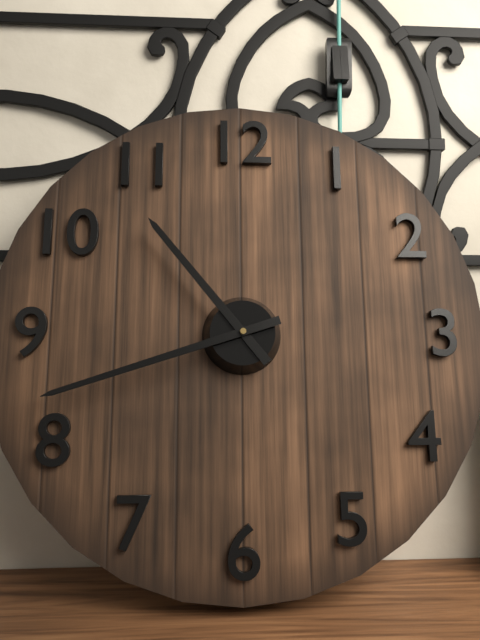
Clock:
{"hour": 10, "minute": 42}
